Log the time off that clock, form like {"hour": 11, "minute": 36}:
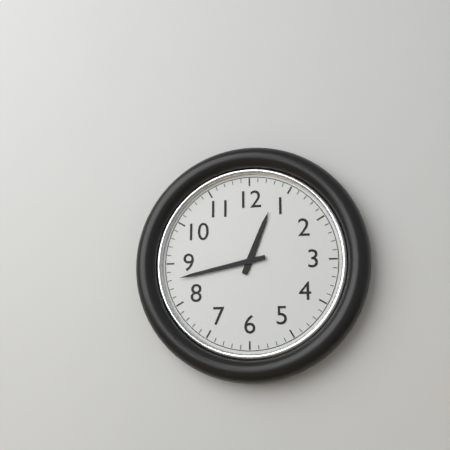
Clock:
{"hour": 12, "minute": 43}
